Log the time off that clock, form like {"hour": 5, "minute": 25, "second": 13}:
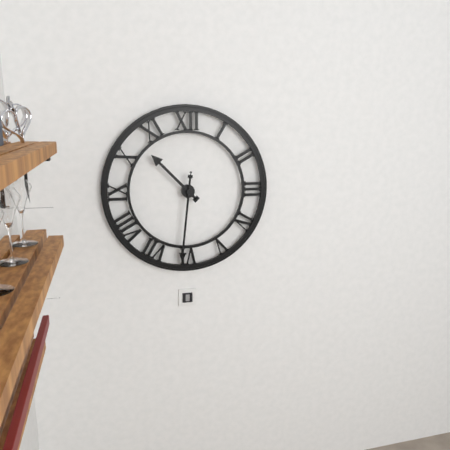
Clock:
{"hour": 10, "minute": 31, "second": 31}
